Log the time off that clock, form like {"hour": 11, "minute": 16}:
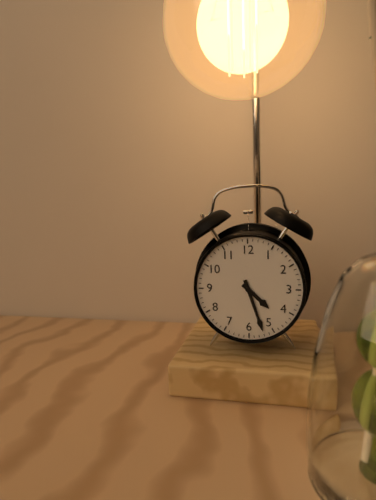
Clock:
{"hour": 4, "minute": 27}
